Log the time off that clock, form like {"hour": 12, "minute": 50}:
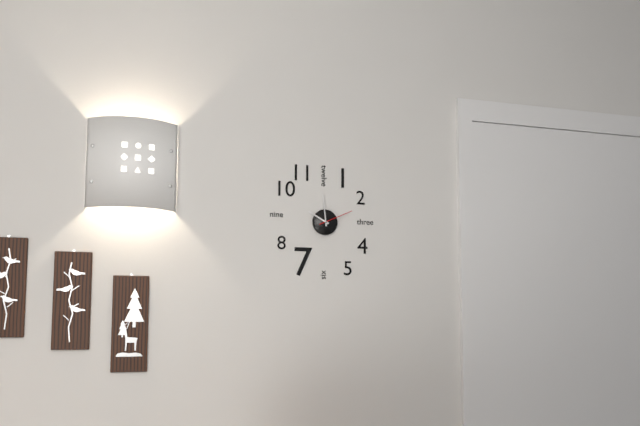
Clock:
{"hour": 9, "minute": 59}
